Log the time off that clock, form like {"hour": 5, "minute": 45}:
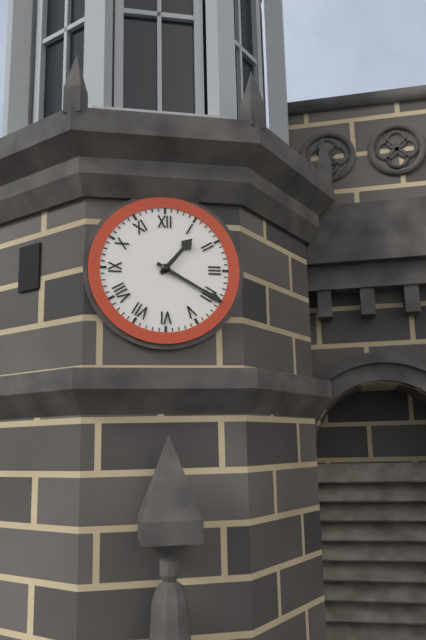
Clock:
{"hour": 1, "minute": 20}
